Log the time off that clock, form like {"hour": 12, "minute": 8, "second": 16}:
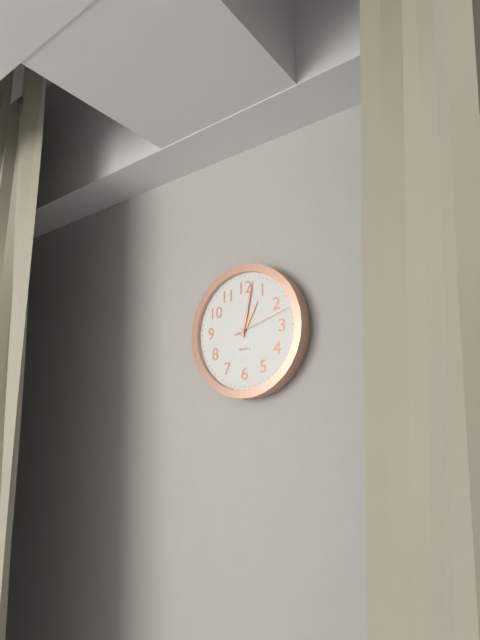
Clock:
{"hour": 1, "minute": 2, "second": 12}
